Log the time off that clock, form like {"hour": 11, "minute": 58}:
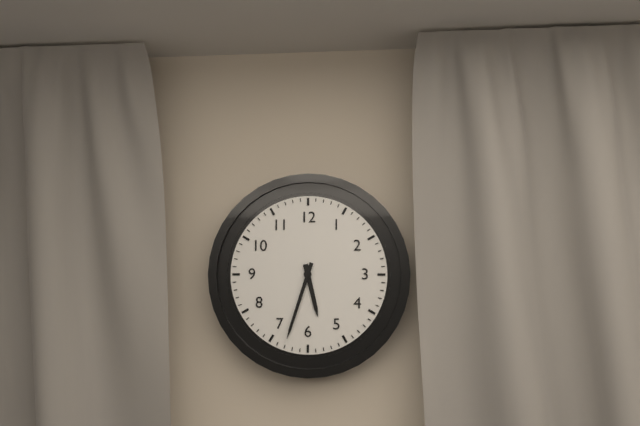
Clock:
{"hour": 5, "minute": 33}
